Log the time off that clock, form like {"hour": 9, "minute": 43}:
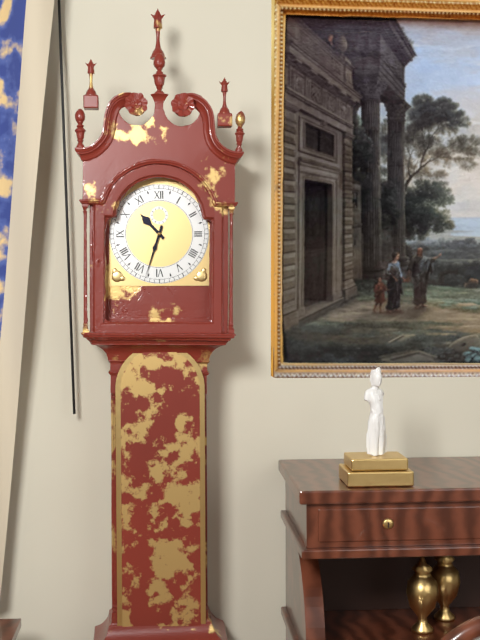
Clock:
{"hour": 10, "minute": 33}
